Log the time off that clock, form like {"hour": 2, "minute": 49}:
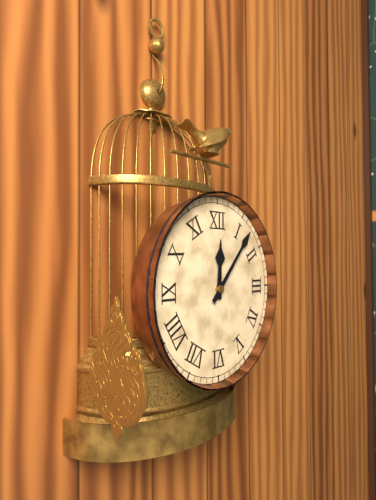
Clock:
{"hour": 12, "minute": 7}
